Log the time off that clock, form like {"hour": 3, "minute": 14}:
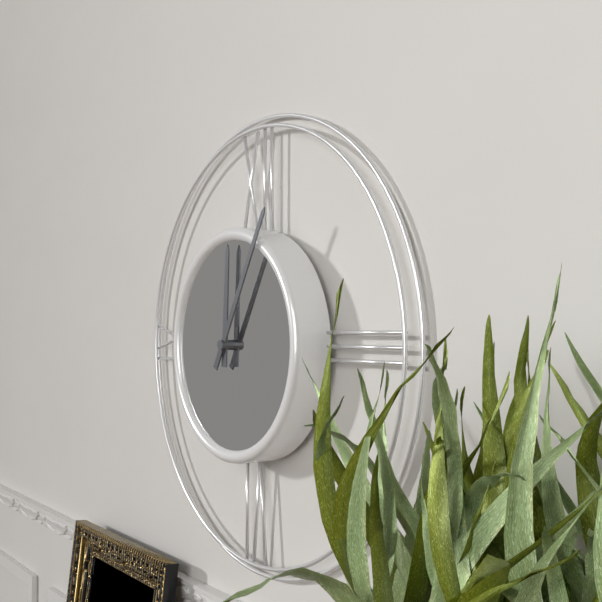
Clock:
{"hour": 12, "minute": 5}
